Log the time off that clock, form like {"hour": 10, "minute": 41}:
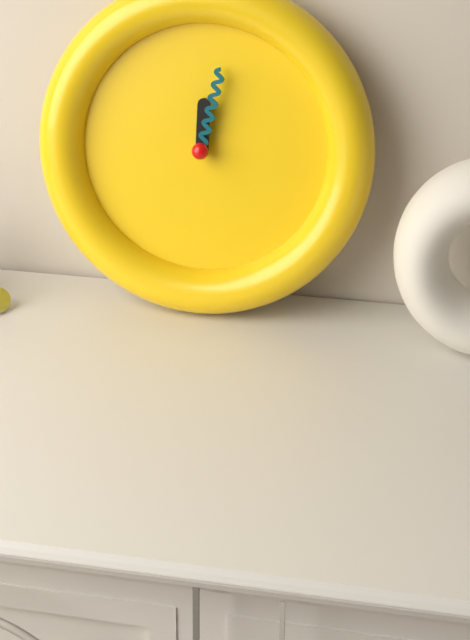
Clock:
{"hour": 12, "minute": 2}
